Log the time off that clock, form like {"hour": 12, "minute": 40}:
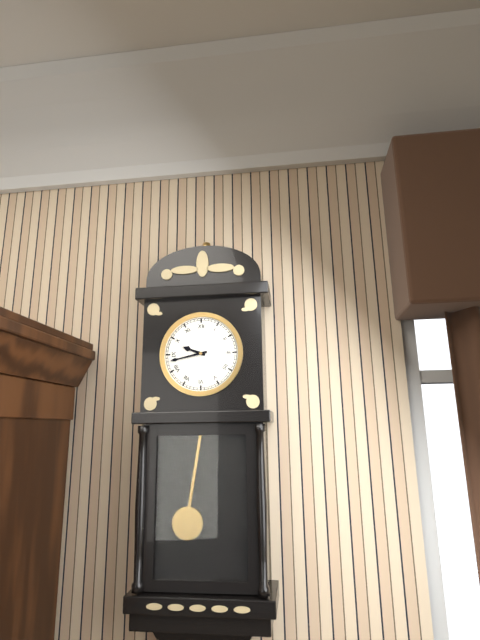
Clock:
{"hour": 9, "minute": 43}
